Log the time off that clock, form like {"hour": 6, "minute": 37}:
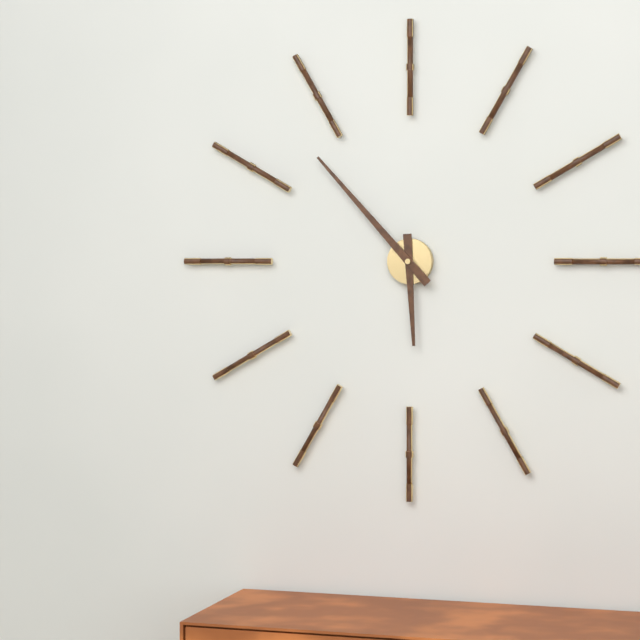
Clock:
{"hour": 5, "minute": 53}
